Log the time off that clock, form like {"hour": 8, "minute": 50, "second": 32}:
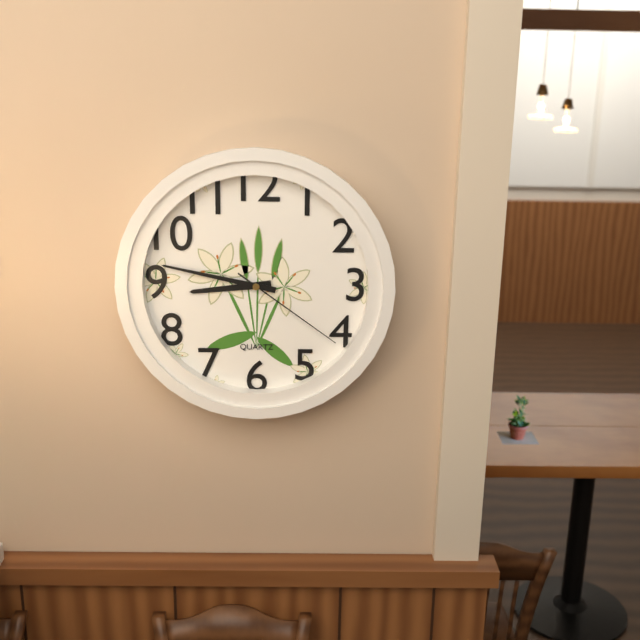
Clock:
{"hour": 8, "minute": 47, "second": 21}
